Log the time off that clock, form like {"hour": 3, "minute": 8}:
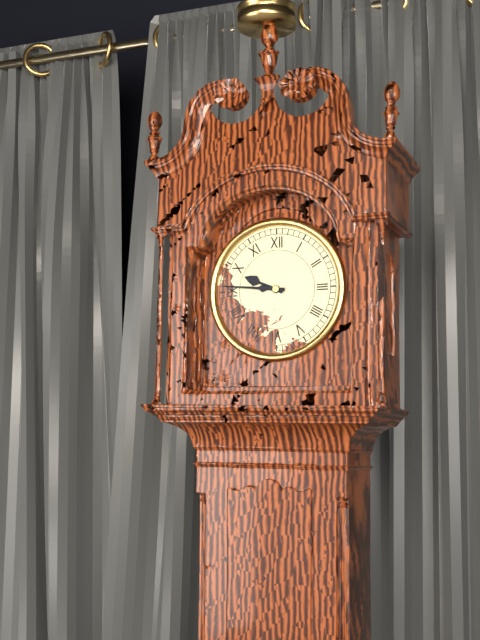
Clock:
{"hour": 9, "minute": 46}
